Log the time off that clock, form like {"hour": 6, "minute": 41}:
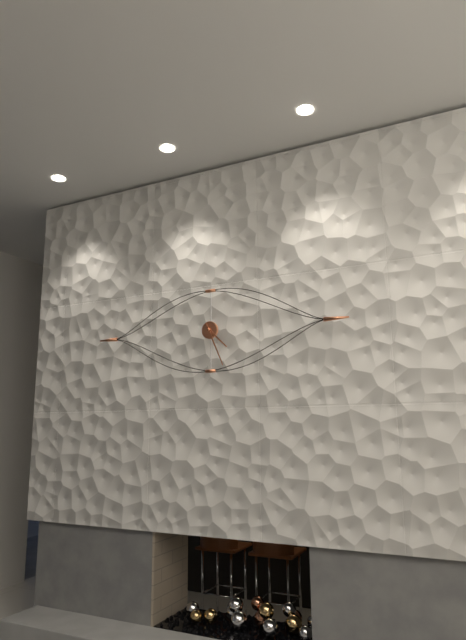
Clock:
{"hour": 4, "minute": 26}
